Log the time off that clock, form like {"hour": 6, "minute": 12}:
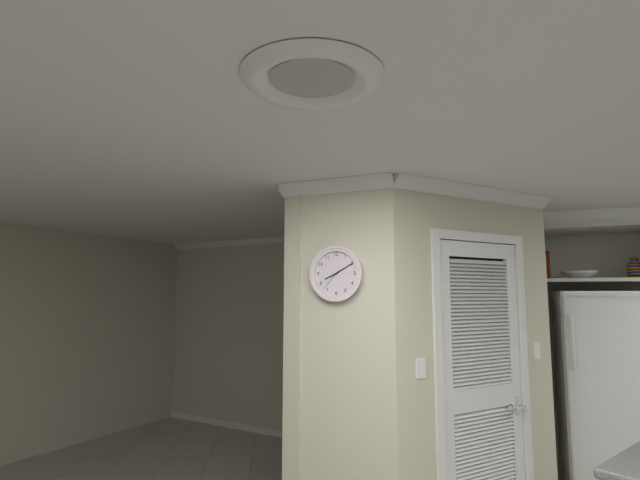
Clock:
{"hour": 8, "minute": 10}
